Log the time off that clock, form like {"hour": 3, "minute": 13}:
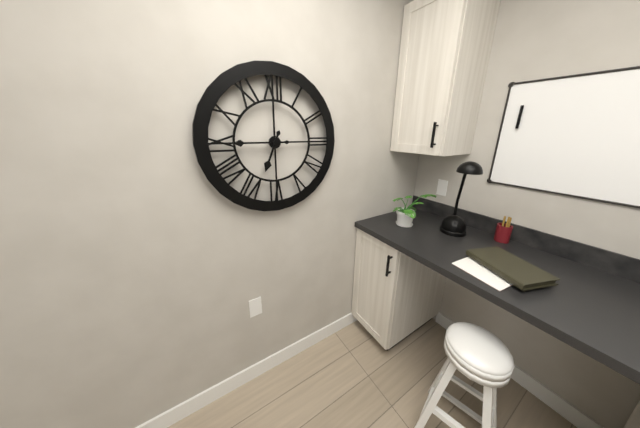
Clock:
{"hour": 6, "minute": 45}
